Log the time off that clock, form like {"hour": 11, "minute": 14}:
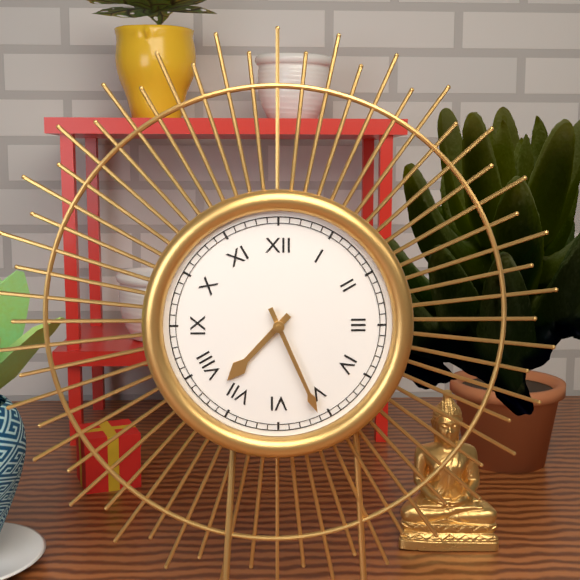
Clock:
{"hour": 7, "minute": 26}
